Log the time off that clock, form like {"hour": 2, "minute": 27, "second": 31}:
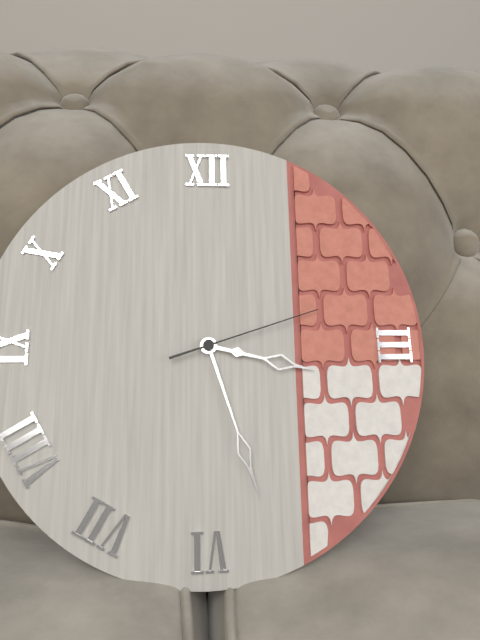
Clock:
{"hour": 3, "minute": 27, "second": 12}
